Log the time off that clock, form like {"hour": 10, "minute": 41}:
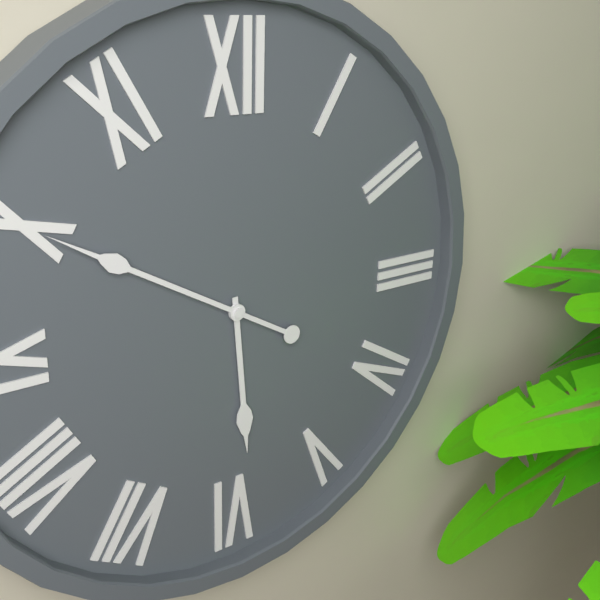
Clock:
{"hour": 5, "minute": 50}
